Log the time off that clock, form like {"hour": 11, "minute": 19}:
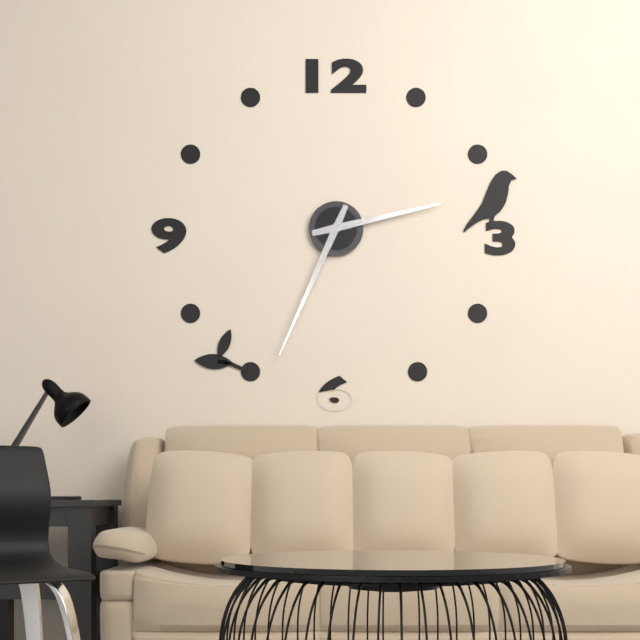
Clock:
{"hour": 2, "minute": 34}
